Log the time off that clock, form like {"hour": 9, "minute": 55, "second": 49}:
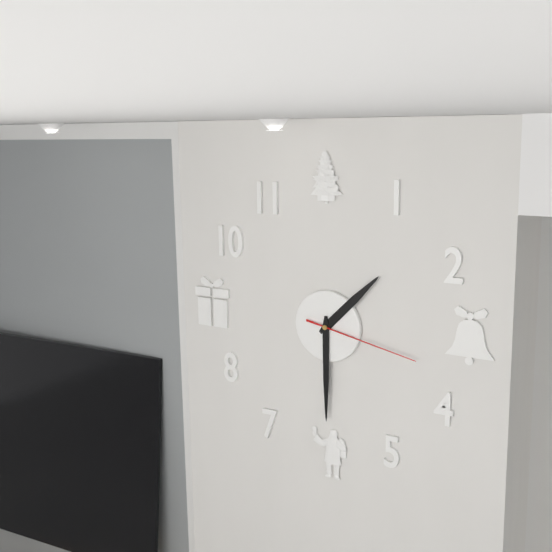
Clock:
{"hour": 1, "minute": 30, "second": 17}
